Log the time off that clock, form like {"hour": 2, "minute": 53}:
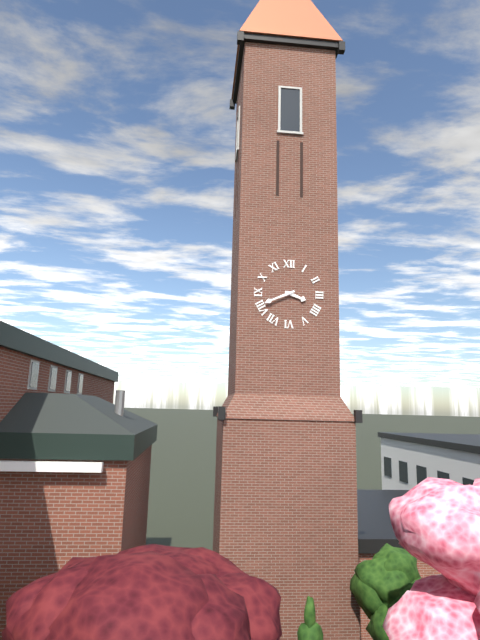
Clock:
{"hour": 3, "minute": 41}
